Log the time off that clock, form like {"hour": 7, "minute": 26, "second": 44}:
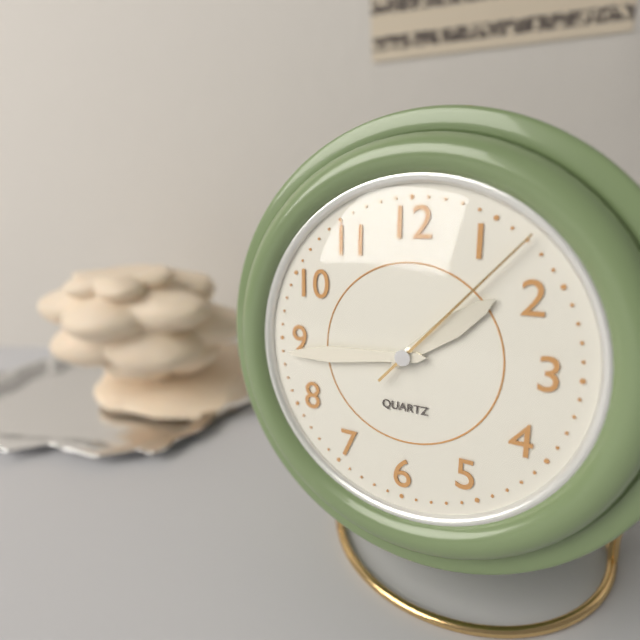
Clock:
{"hour": 1, "minute": 44, "second": 7}
